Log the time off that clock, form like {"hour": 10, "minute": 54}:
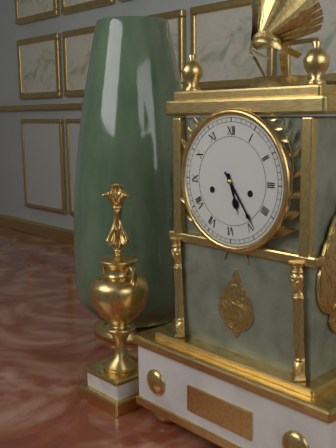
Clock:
{"hour": 5, "minute": 24}
